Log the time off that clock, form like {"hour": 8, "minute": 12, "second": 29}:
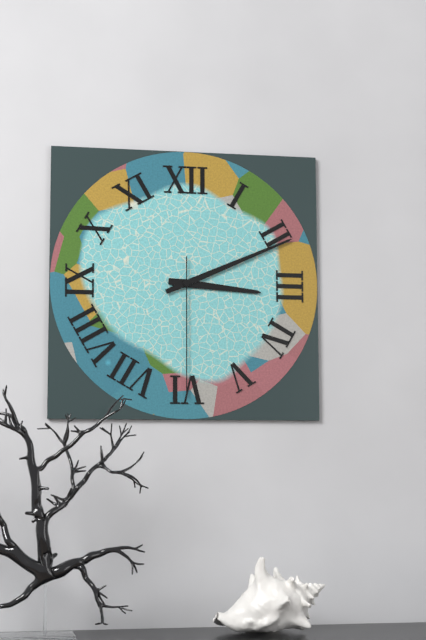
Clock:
{"hour": 3, "minute": 11, "second": 30}
